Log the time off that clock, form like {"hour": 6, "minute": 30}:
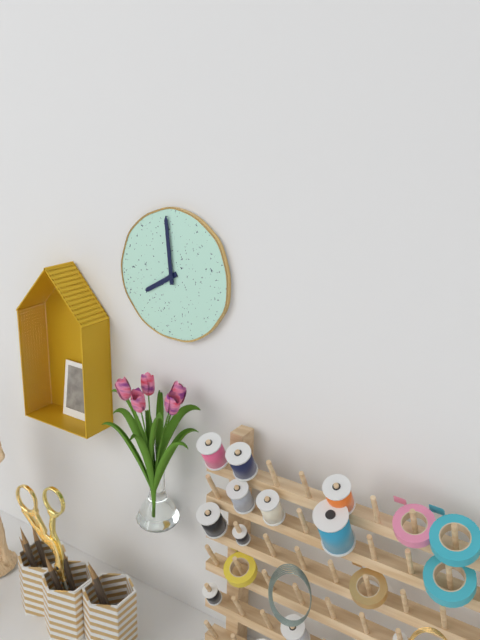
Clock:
{"hour": 7, "minute": 59}
